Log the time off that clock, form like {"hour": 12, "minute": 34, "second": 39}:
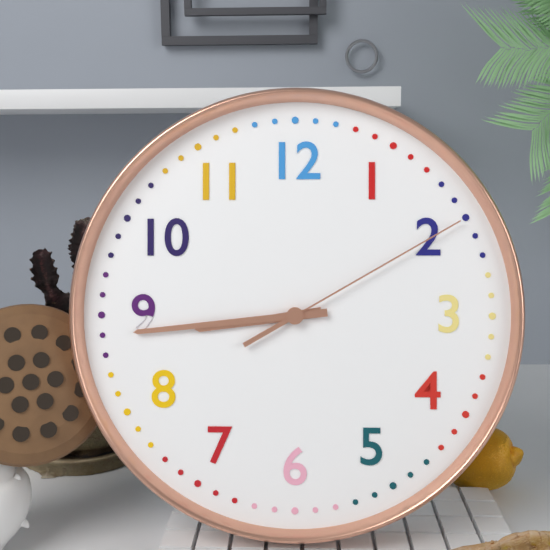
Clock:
{"hour": 8, "minute": 44, "second": 10}
